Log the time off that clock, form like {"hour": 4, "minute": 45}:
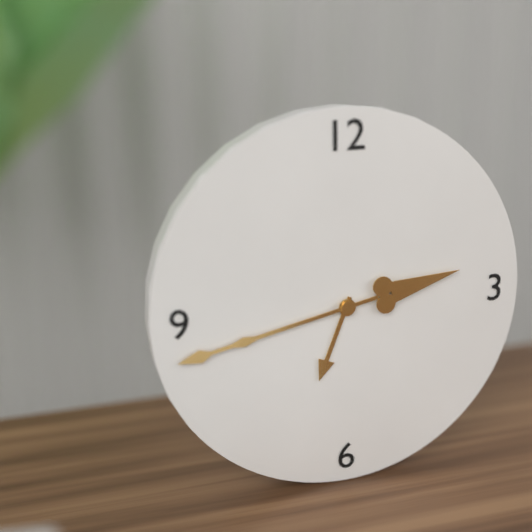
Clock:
{"hour": 6, "minute": 43}
